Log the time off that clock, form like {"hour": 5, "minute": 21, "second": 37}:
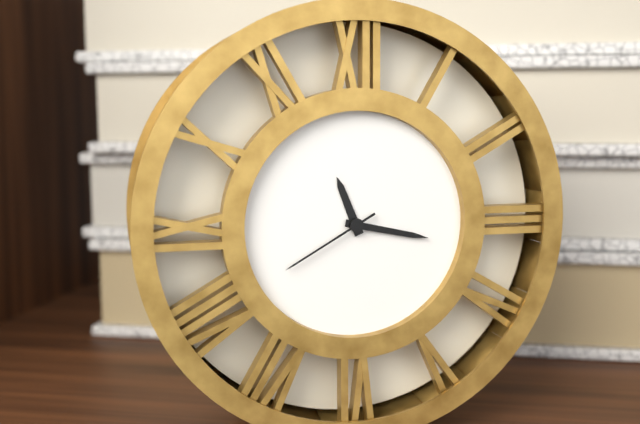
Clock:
{"hour": 11, "minute": 17, "second": 40}
